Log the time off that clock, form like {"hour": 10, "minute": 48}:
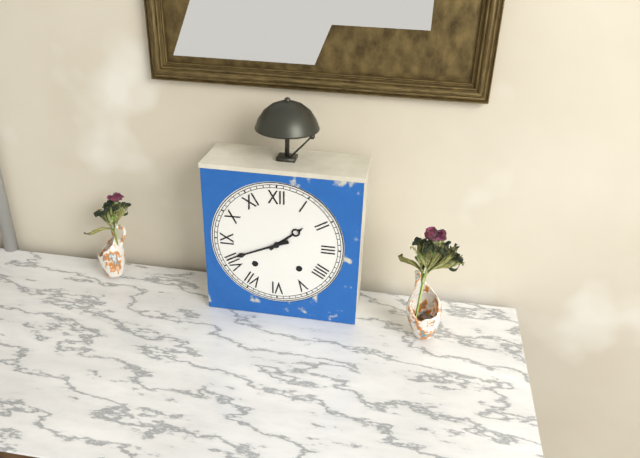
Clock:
{"hour": 1, "minute": 41}
